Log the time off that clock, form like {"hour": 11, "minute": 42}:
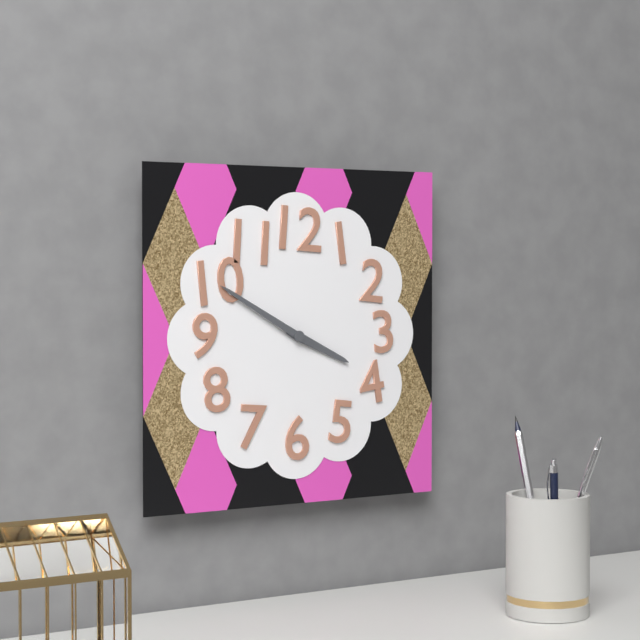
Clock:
{"hour": 3, "minute": 50}
